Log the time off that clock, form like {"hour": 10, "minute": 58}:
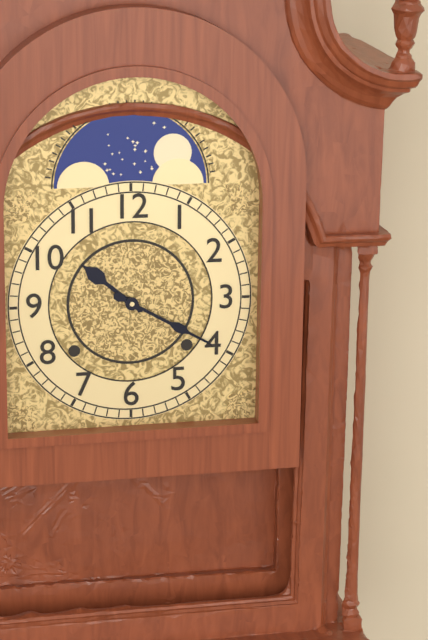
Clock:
{"hour": 10, "minute": 20}
